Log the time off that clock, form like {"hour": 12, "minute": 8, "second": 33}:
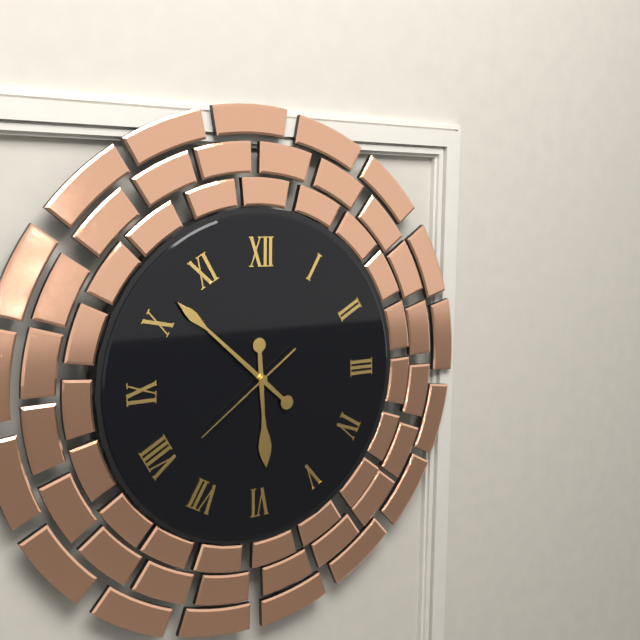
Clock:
{"hour": 5, "minute": 52, "second": 39}
